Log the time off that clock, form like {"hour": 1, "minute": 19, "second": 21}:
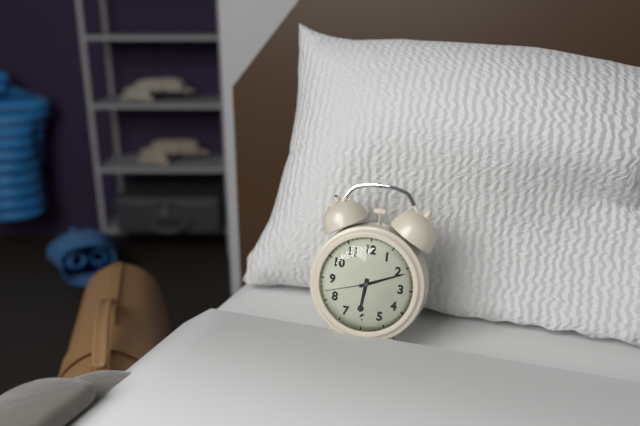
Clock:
{"hour": 6, "minute": 11, "second": 42}
